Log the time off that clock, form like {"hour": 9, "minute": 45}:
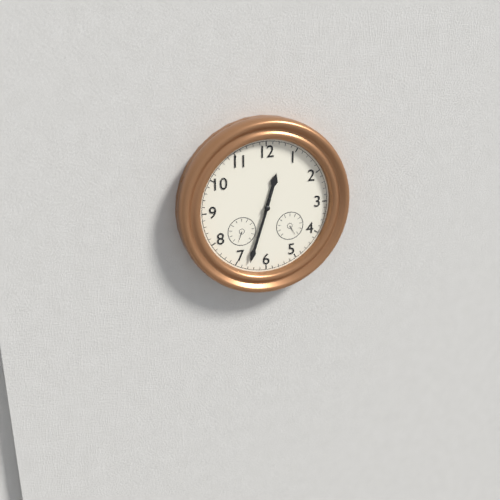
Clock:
{"hour": 12, "minute": 33}
